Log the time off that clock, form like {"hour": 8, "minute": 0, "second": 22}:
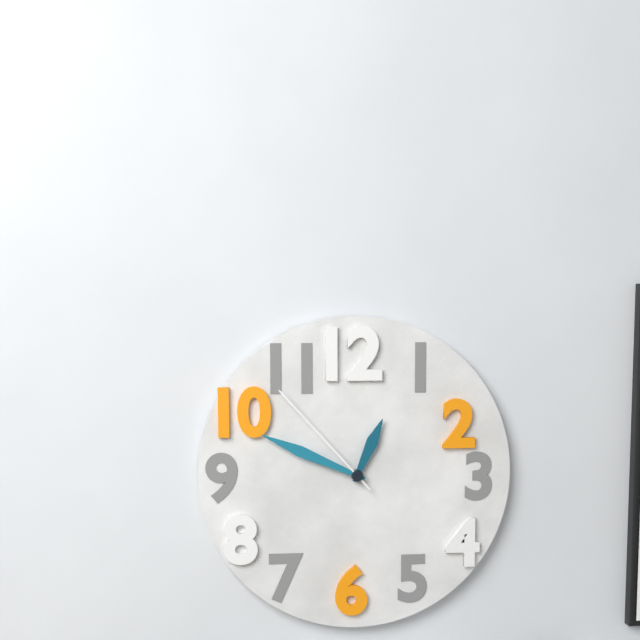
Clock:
{"hour": 12, "minute": 49, "second": 53}
